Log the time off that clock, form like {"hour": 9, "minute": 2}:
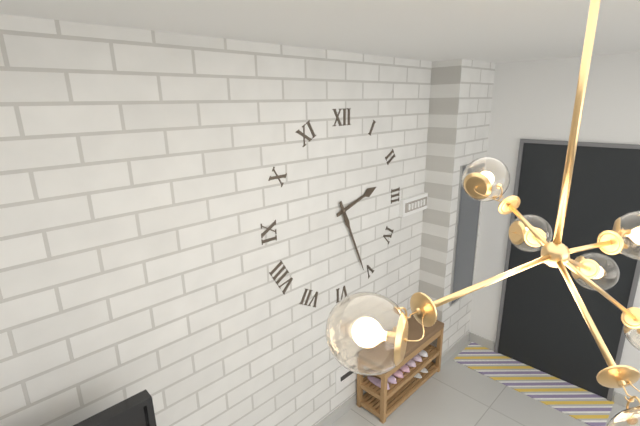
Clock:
{"hour": 2, "minute": 26}
